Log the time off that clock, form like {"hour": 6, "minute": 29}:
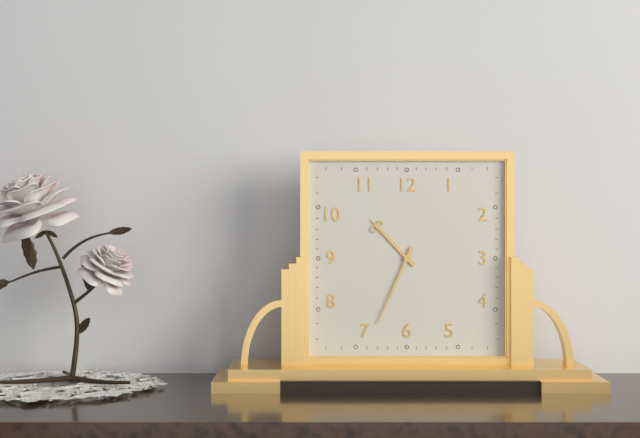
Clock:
{"hour": 10, "minute": 34}
